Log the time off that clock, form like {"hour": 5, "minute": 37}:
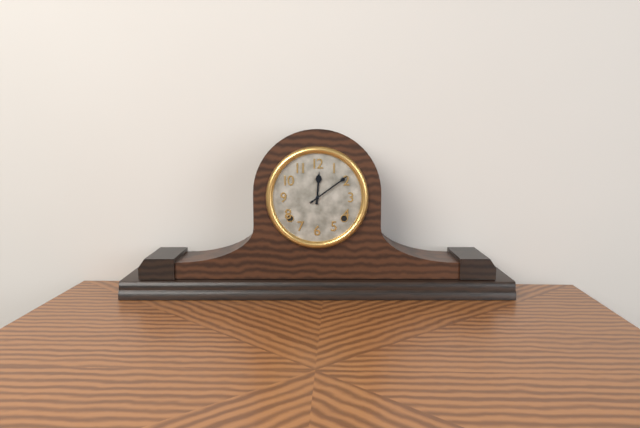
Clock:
{"hour": 12, "minute": 9}
